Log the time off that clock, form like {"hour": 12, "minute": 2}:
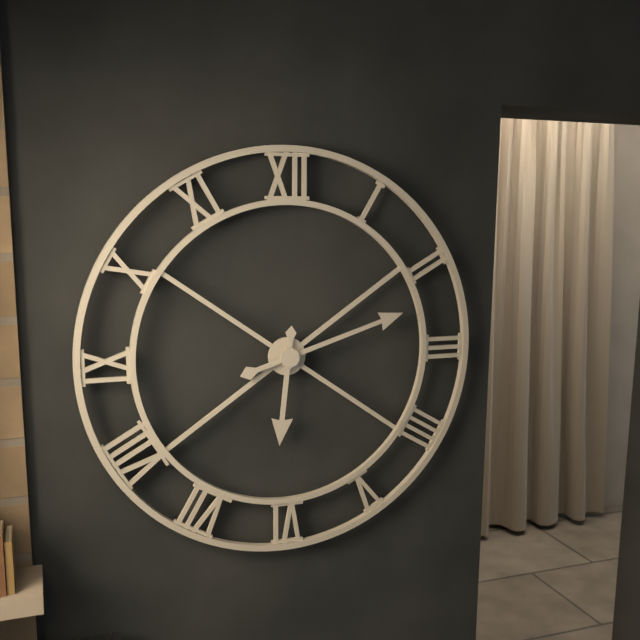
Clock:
{"hour": 6, "minute": 12}
